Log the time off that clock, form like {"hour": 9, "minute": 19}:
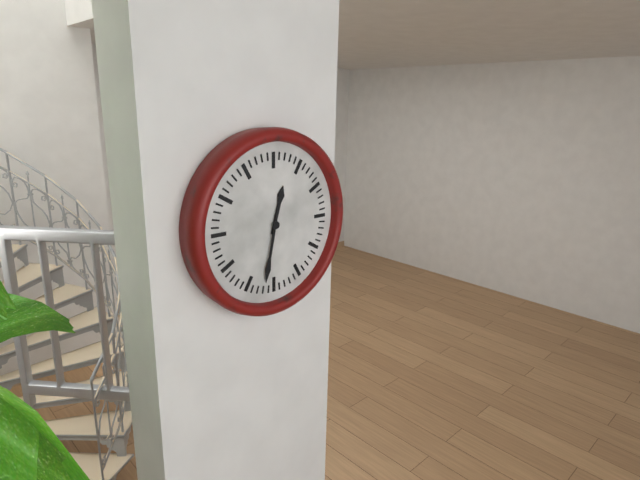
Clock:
{"hour": 12, "minute": 32}
